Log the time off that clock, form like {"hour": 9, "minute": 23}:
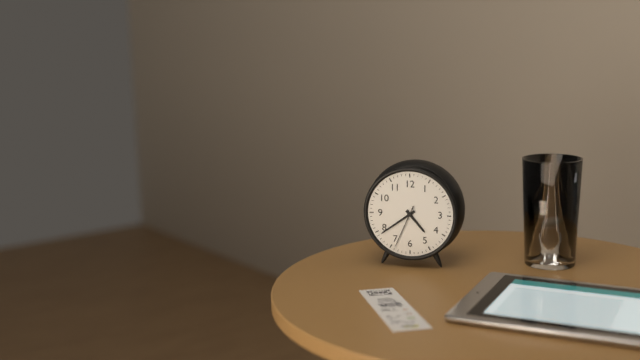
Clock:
{"hour": 4, "minute": 39}
